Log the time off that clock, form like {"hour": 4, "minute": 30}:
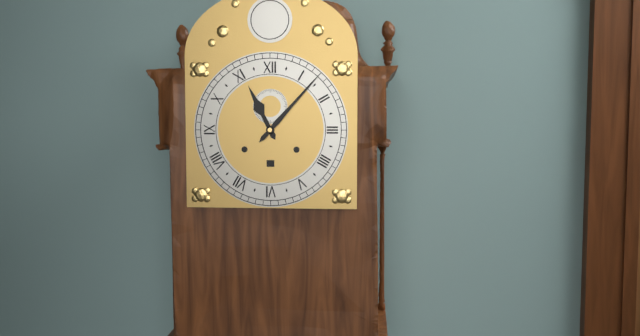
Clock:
{"hour": 11, "minute": 7}
